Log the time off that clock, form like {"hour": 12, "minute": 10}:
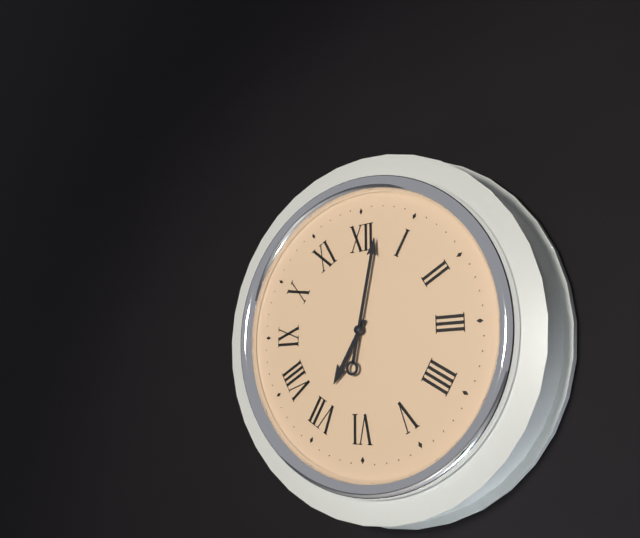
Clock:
{"hour": 7, "minute": 2}
